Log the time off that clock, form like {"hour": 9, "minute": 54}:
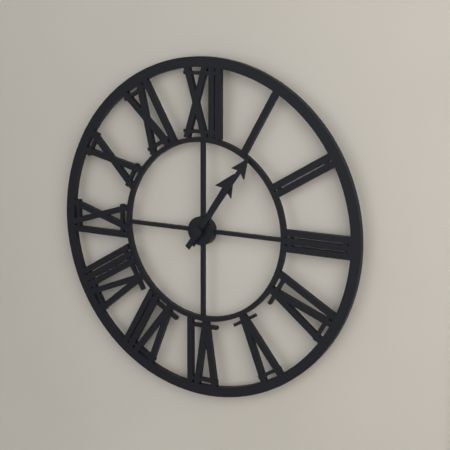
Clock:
{"hour": 1, "minute": 6}
